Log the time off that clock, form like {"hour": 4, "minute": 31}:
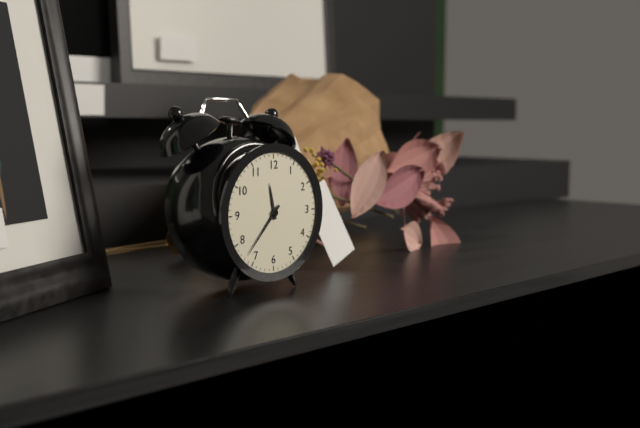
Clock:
{"hour": 11, "minute": 37}
